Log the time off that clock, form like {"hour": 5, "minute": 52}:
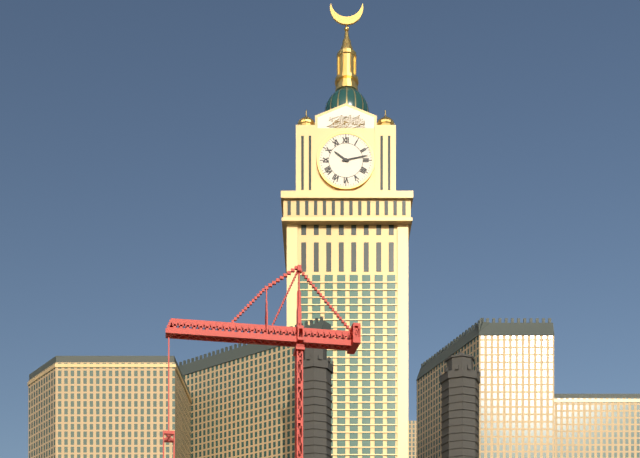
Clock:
{"hour": 10, "minute": 13}
